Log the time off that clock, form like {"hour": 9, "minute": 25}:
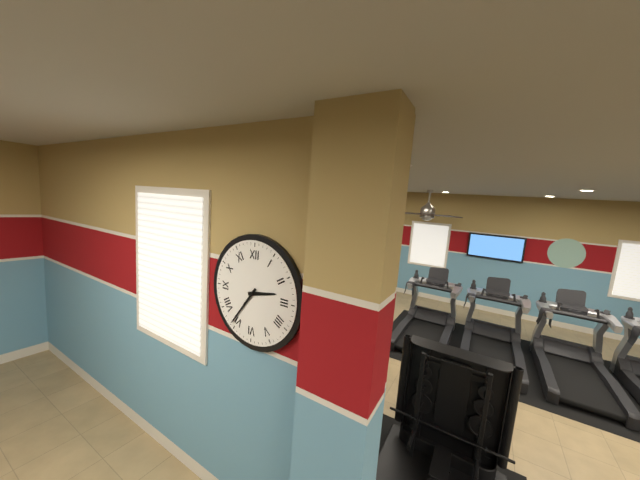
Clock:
{"hour": 2, "minute": 36}
